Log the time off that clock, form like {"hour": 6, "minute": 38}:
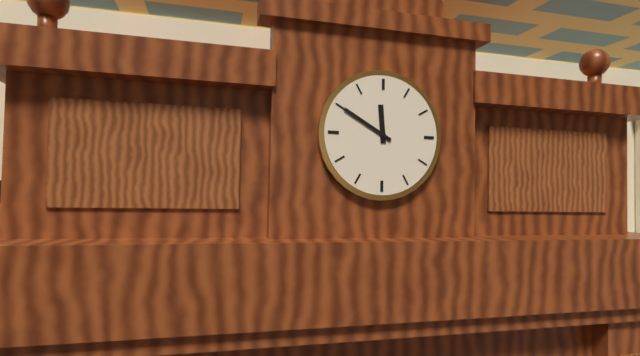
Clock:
{"hour": 11, "minute": 50}
